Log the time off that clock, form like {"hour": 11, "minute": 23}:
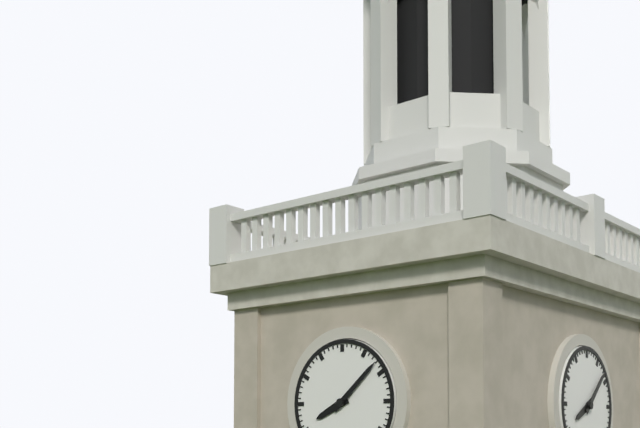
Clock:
{"hour": 8, "minute": 8}
